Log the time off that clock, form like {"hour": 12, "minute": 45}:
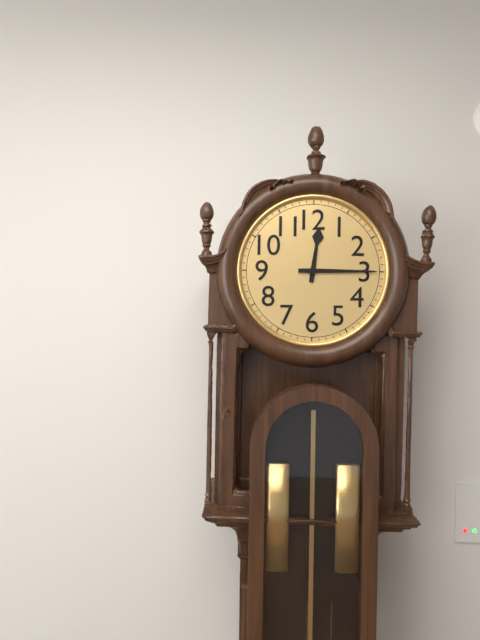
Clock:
{"hour": 12, "minute": 15}
